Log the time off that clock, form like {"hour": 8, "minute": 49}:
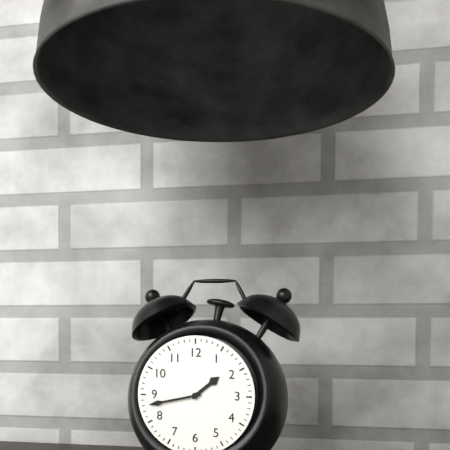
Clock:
{"hour": 1, "minute": 43}
